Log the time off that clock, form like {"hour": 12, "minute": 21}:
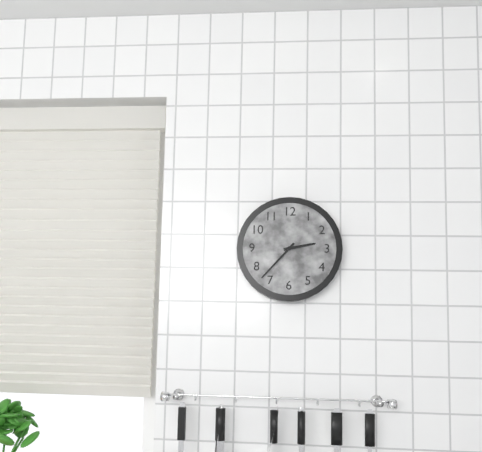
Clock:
{"hour": 2, "minute": 37}
